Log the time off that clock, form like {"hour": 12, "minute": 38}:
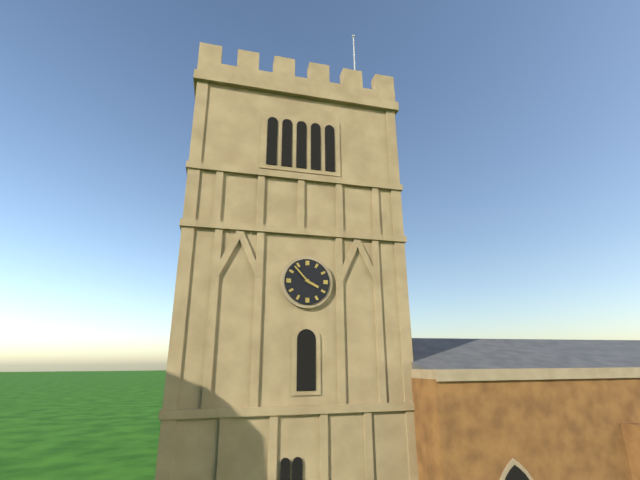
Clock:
{"hour": 3, "minute": 53}
